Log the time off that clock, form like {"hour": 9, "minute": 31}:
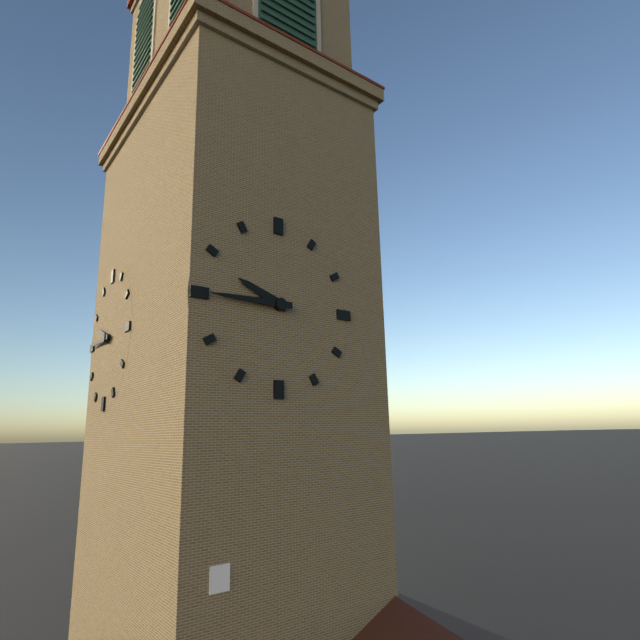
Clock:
{"hour": 9, "minute": 45}
